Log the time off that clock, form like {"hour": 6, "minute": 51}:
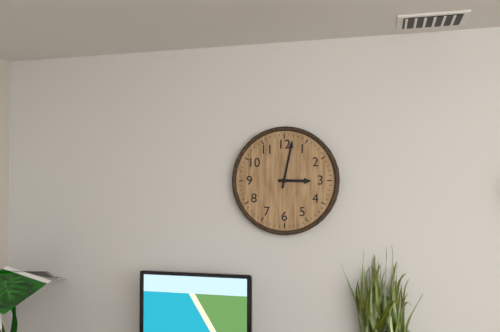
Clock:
{"hour": 3, "minute": 2}
